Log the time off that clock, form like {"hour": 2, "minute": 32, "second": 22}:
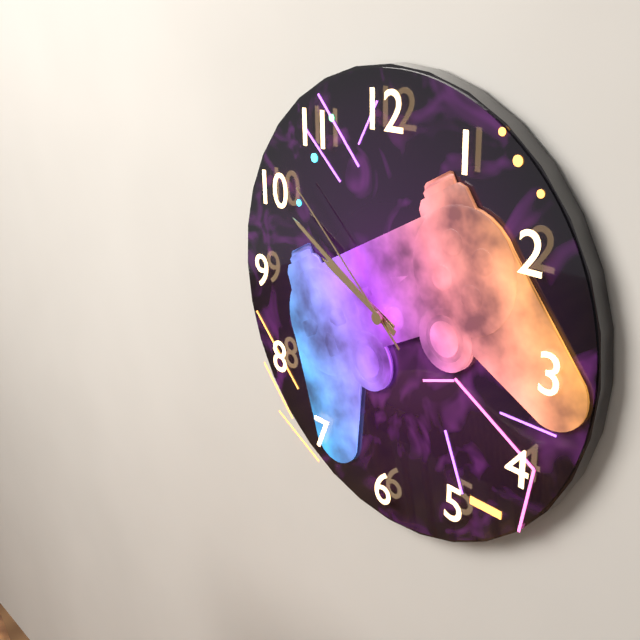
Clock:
{"hour": 9, "minute": 50, "second": 52}
